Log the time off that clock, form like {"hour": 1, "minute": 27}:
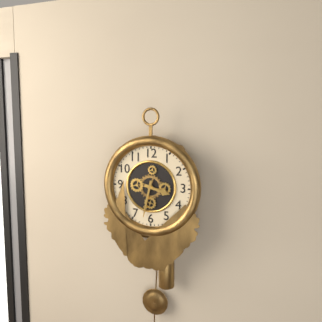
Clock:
{"hour": 3, "minute": 32}
